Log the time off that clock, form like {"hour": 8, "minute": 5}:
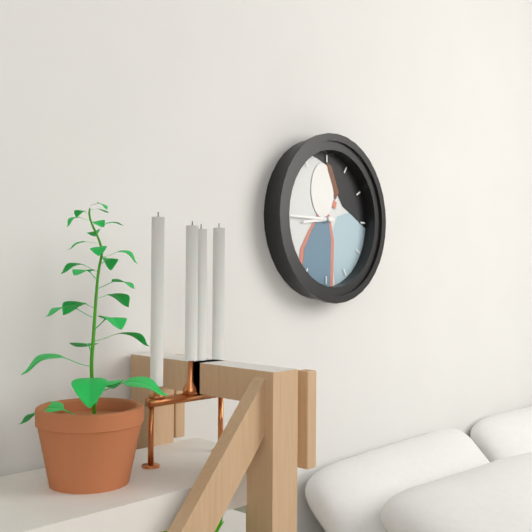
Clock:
{"hour": 8, "minute": 45}
